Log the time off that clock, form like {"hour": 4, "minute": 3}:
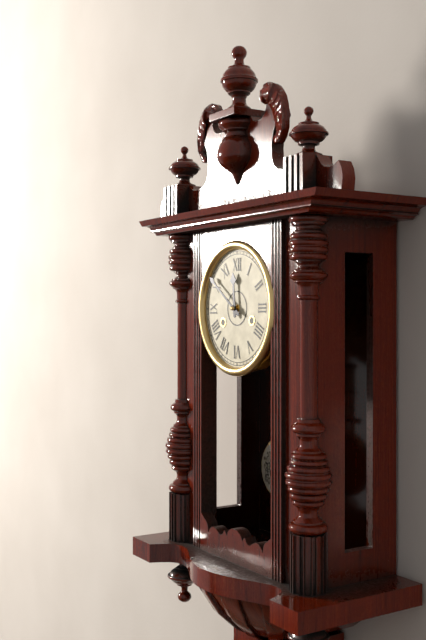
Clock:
{"hour": 11, "minute": 51}
